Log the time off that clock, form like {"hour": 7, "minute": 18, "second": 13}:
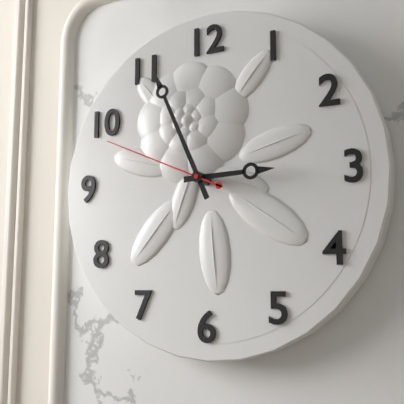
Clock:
{"hour": 2, "minute": 56, "second": 49}
